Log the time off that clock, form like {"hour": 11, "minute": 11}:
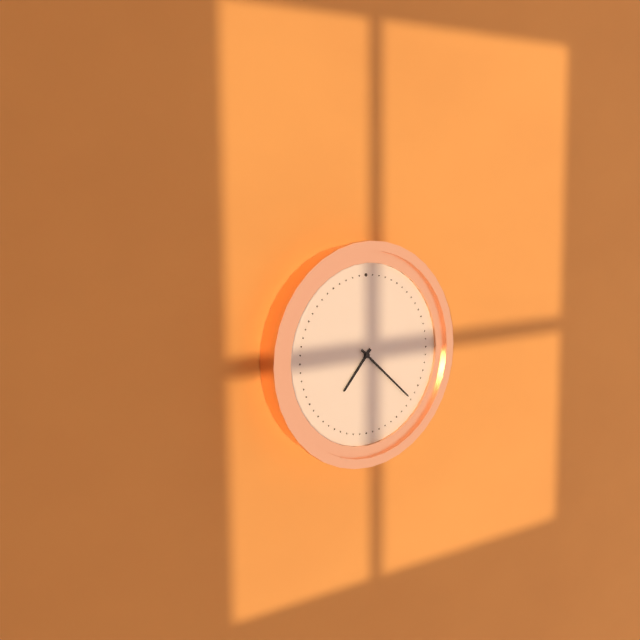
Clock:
{"hour": 7, "minute": 22}
